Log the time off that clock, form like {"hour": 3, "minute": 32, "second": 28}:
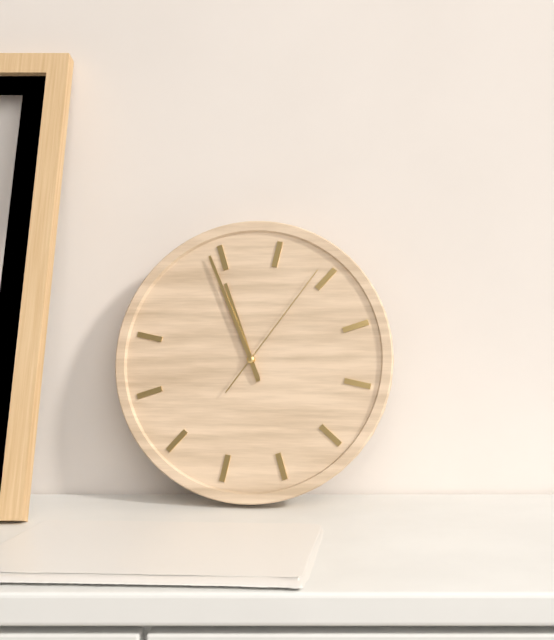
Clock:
{"hour": 10, "minute": 54, "second": 4}
